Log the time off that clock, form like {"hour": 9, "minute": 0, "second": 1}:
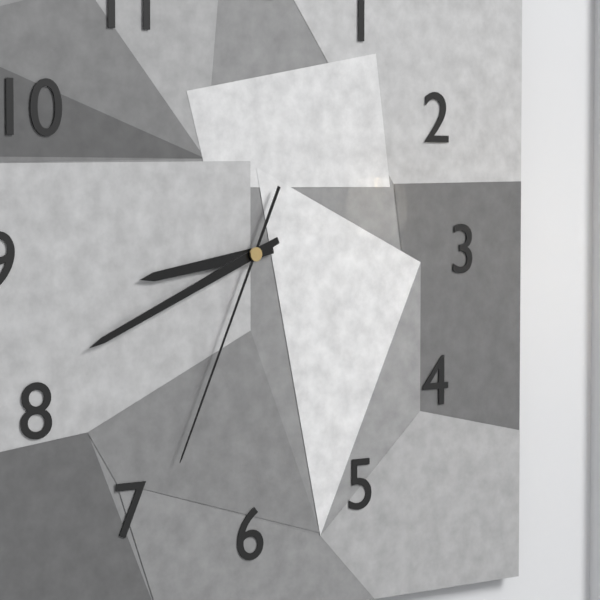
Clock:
{"hour": 8, "minute": 41, "second": 34}
